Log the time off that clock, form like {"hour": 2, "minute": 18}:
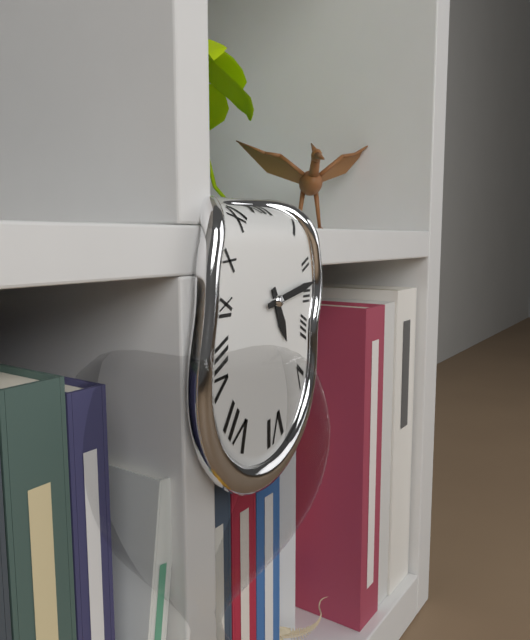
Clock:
{"hour": 5, "minute": 13}
